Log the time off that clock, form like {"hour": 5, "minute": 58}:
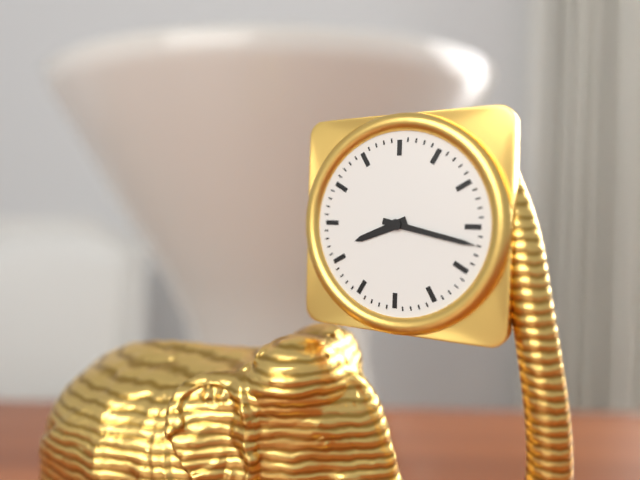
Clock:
{"hour": 8, "minute": 17}
